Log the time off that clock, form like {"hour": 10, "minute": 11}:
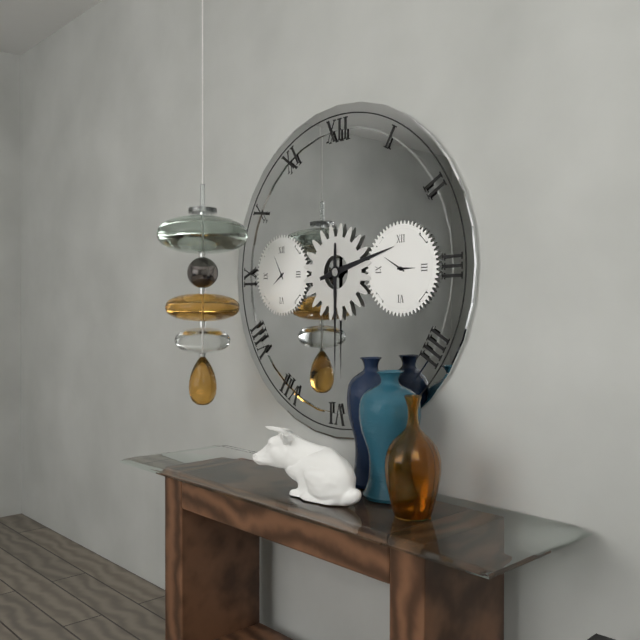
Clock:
{"hour": 2, "minute": 30}
